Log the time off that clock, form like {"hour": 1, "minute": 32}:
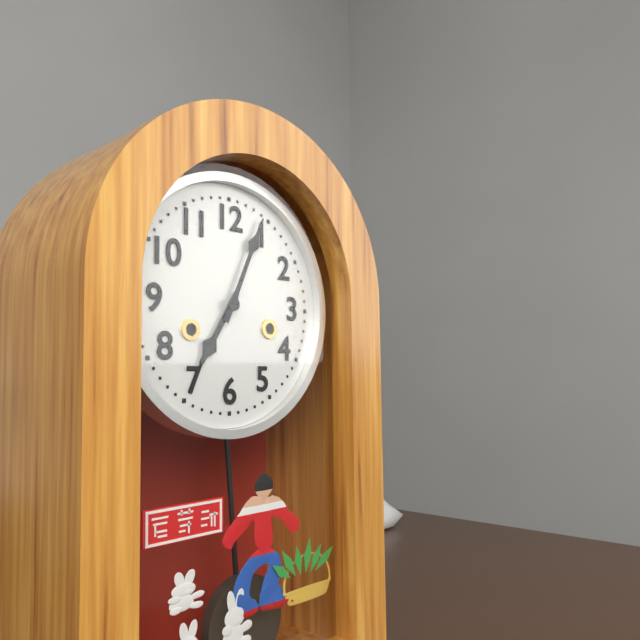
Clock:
{"hour": 7, "minute": 4}
